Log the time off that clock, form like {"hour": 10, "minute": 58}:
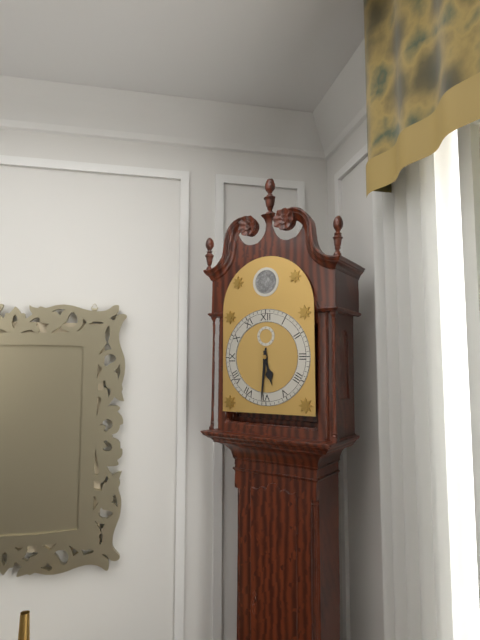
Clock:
{"hour": 5, "minute": 31}
